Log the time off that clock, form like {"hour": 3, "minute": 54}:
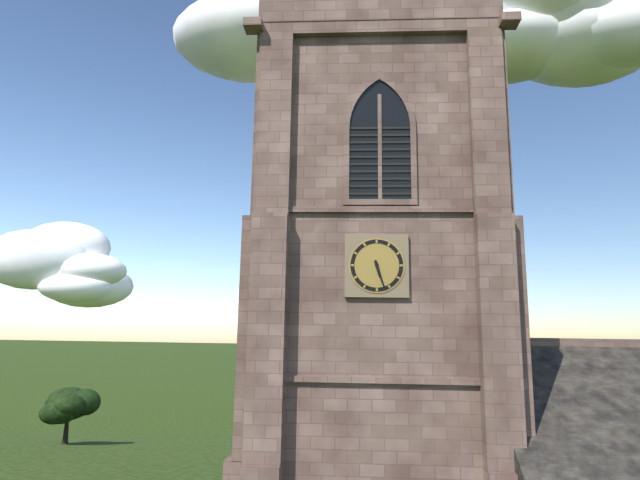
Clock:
{"hour": 5, "minute": 27}
